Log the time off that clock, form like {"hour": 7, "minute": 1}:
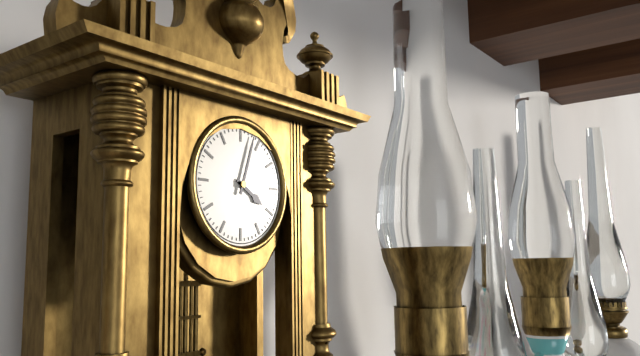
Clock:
{"hour": 4, "minute": 3}
